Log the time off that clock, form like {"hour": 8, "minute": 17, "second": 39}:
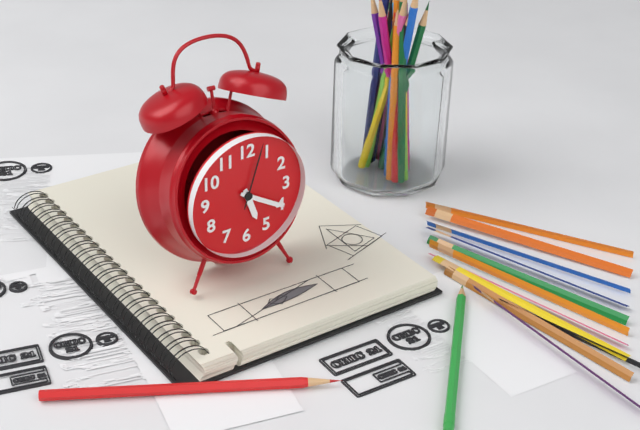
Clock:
{"hour": 5, "minute": 20, "second": 3}
